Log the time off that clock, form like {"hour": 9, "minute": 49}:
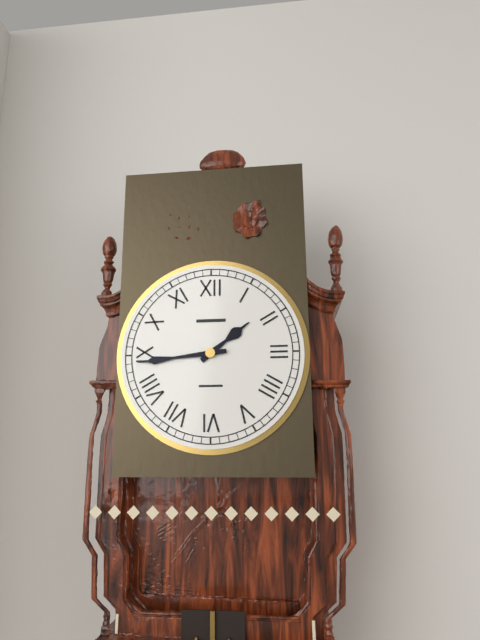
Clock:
{"hour": 1, "minute": 44}
